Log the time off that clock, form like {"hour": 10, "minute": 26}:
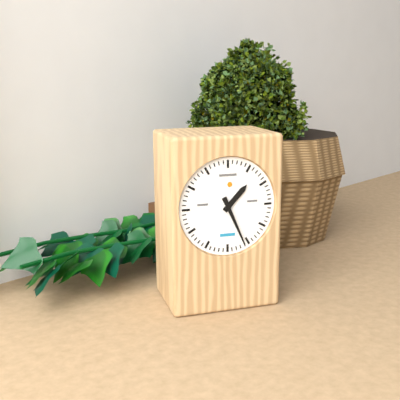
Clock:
{"hour": 1, "minute": 26}
